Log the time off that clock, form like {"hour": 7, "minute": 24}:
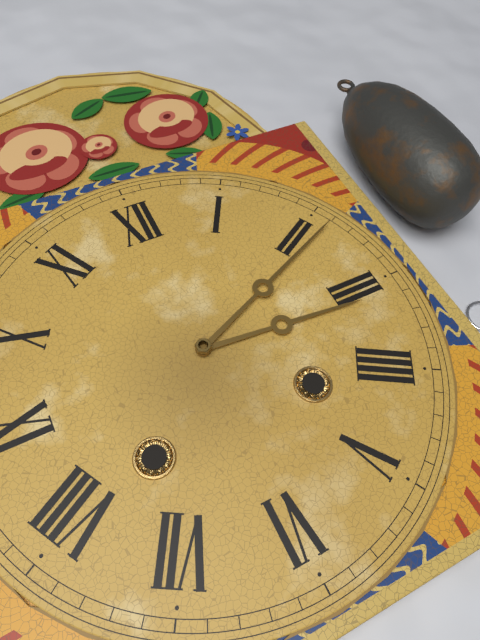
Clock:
{"hour": 3, "minute": 11}
